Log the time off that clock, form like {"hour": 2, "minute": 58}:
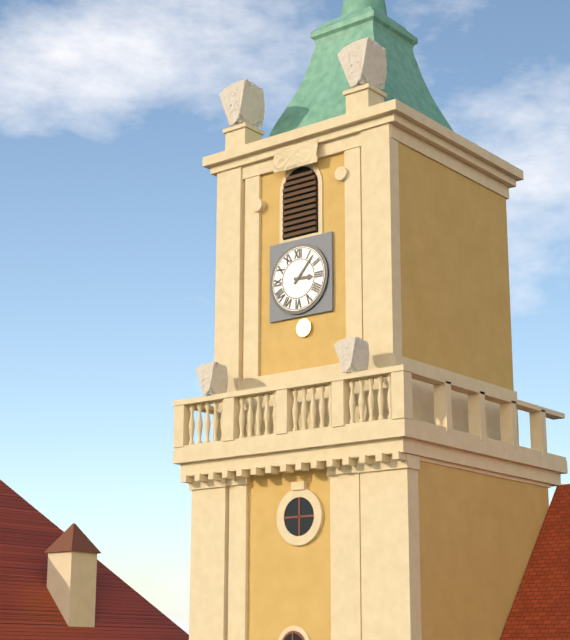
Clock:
{"hour": 3, "minute": 7}
